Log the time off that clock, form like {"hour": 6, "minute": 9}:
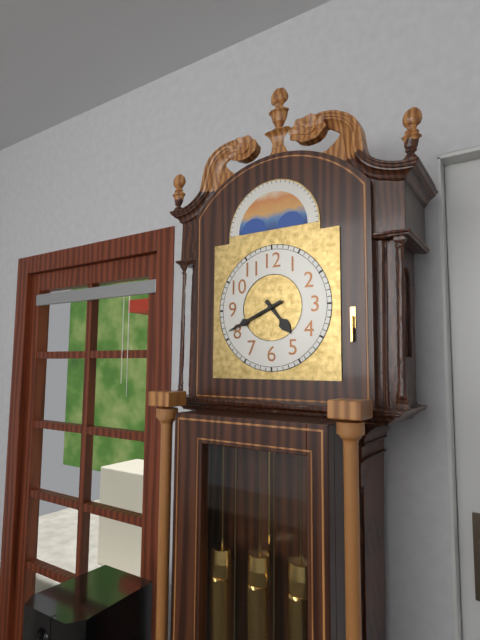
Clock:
{"hour": 4, "minute": 41}
